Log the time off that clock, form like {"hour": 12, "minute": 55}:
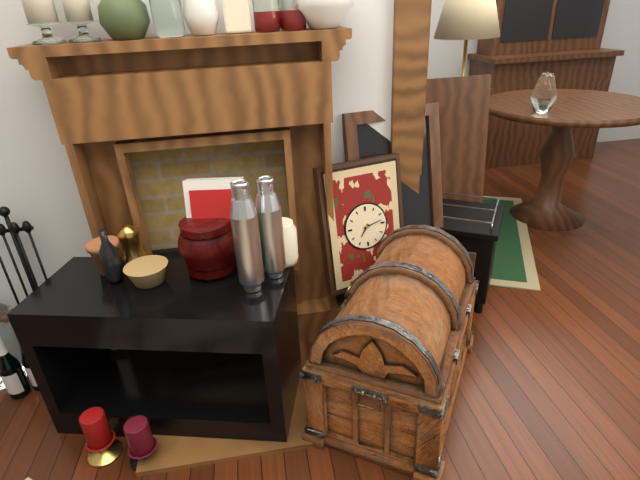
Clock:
{"hour": 7, "minute": 13}
